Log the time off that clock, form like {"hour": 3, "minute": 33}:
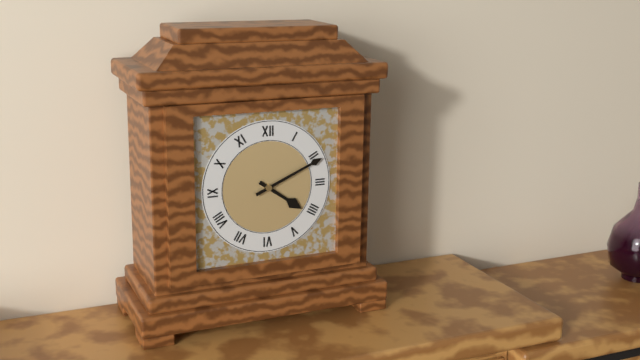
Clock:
{"hour": 4, "minute": 11}
